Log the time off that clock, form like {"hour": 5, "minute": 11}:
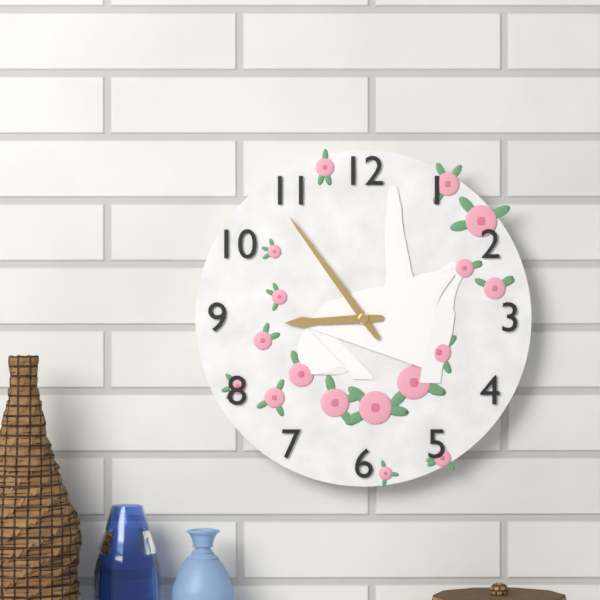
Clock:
{"hour": 8, "minute": 54}
